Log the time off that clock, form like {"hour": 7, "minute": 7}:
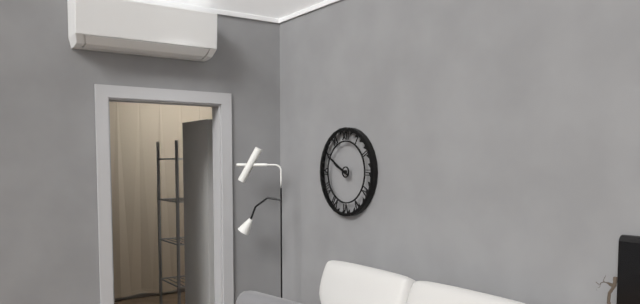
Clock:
{"hour": 9, "minute": 50}
